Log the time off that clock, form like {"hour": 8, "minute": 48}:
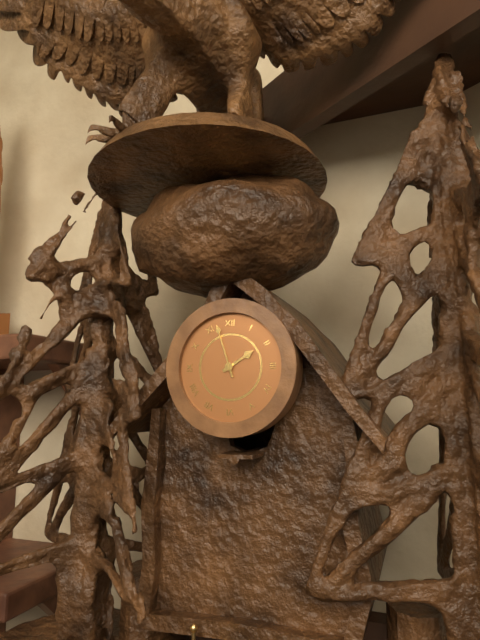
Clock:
{"hour": 1, "minute": 57}
